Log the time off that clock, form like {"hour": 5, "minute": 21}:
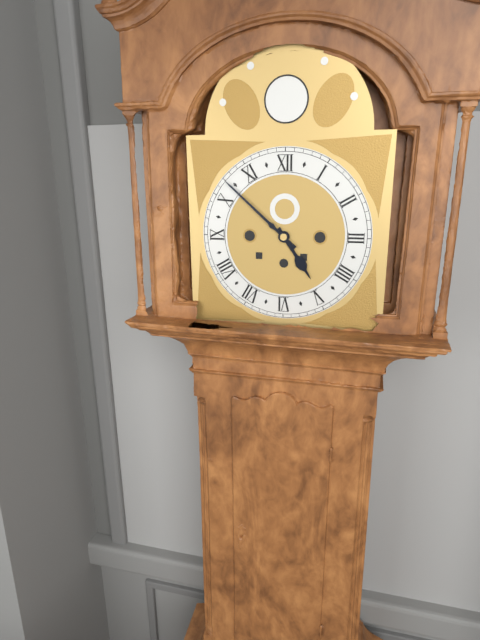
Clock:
{"hour": 4, "minute": 52}
